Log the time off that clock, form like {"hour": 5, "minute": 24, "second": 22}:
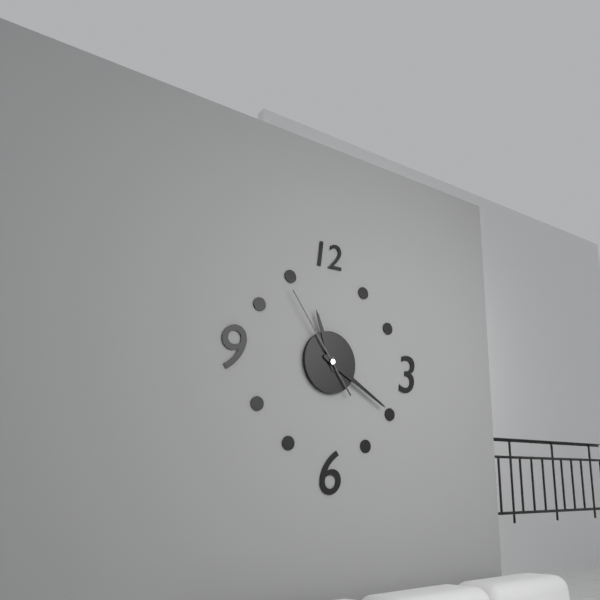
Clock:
{"hour": 11, "minute": 20, "second": 54}
